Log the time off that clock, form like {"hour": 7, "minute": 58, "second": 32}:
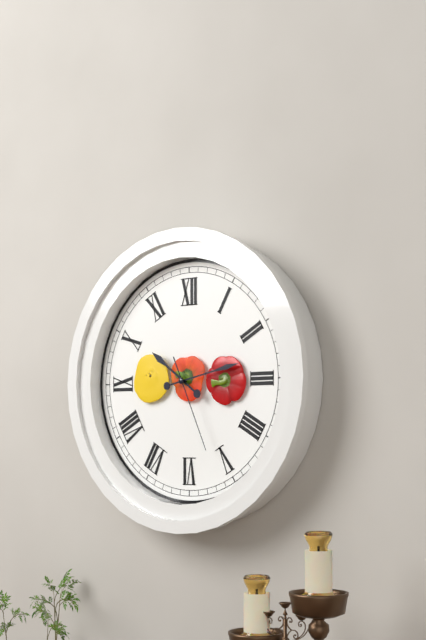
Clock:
{"hour": 10, "minute": 13, "second": 26}
